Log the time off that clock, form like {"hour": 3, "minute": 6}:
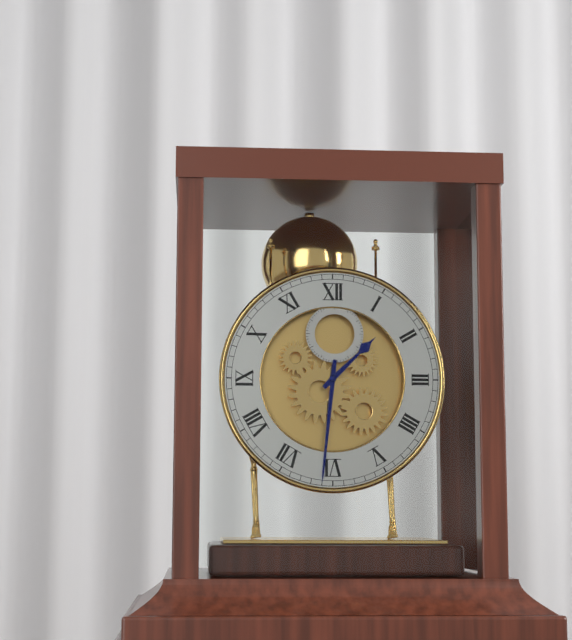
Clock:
{"hour": 1, "minute": 31}
